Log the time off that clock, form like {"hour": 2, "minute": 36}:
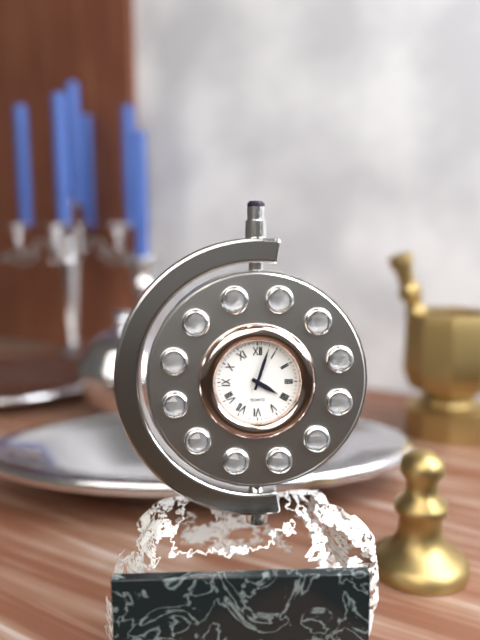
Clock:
{"hour": 4, "minute": 3}
